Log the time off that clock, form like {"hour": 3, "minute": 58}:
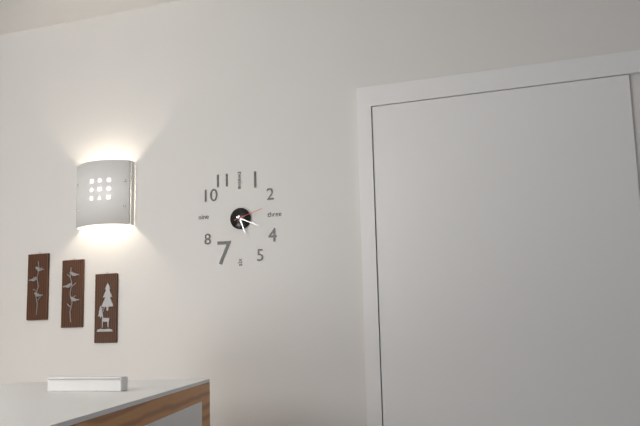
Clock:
{"hour": 5, "minute": 19}
